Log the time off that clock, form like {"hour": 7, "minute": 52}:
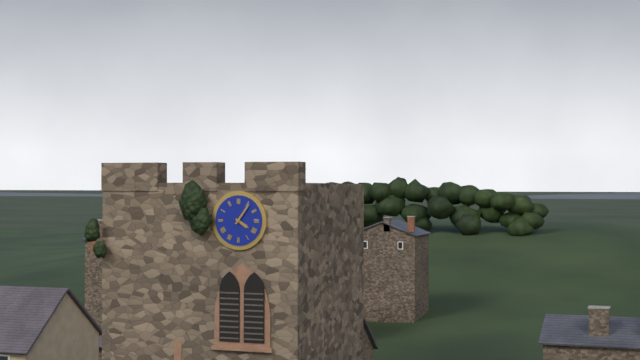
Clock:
{"hour": 4, "minute": 6}
